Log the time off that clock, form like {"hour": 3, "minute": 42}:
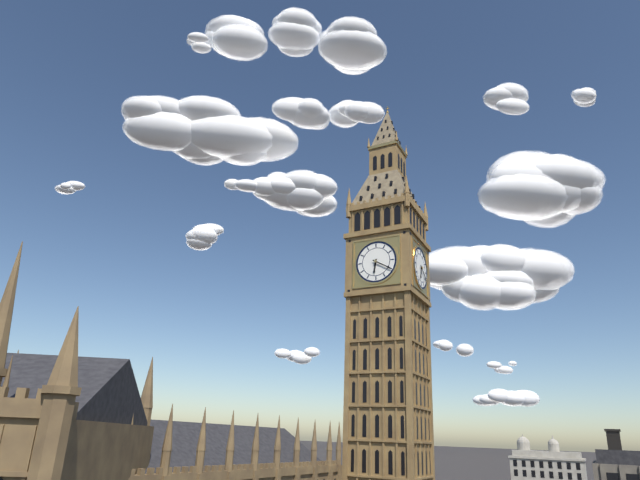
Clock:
{"hour": 6, "minute": 20}
